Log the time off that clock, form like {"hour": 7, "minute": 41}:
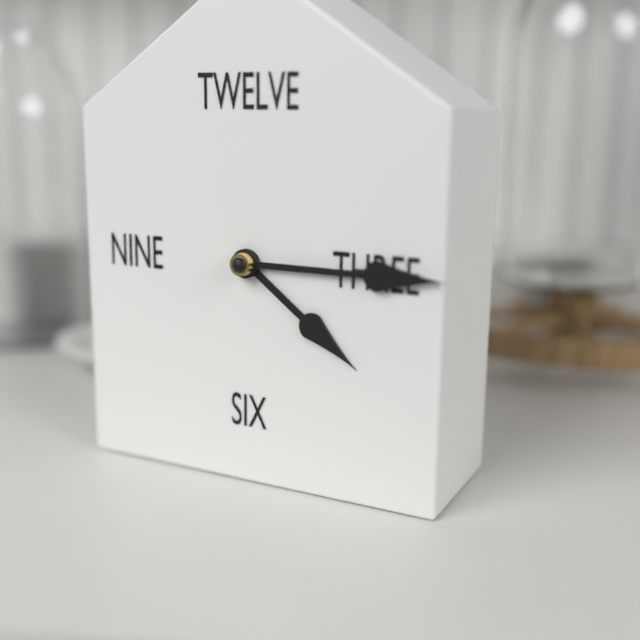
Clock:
{"hour": 4, "minute": 15}
